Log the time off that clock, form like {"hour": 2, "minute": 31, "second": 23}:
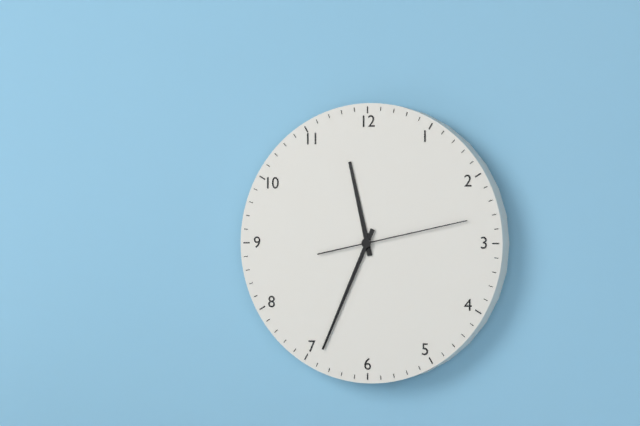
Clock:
{"hour": 11, "minute": 34, "second": 13}
